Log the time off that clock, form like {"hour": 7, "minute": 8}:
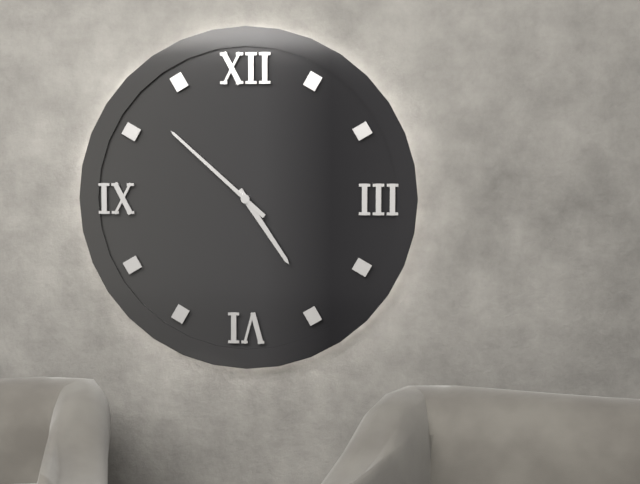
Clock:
{"hour": 4, "minute": 52}
